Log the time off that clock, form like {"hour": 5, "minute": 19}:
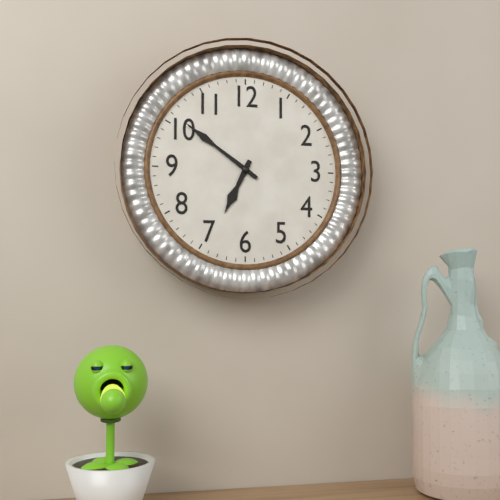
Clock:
{"hour": 6, "minute": 51}
